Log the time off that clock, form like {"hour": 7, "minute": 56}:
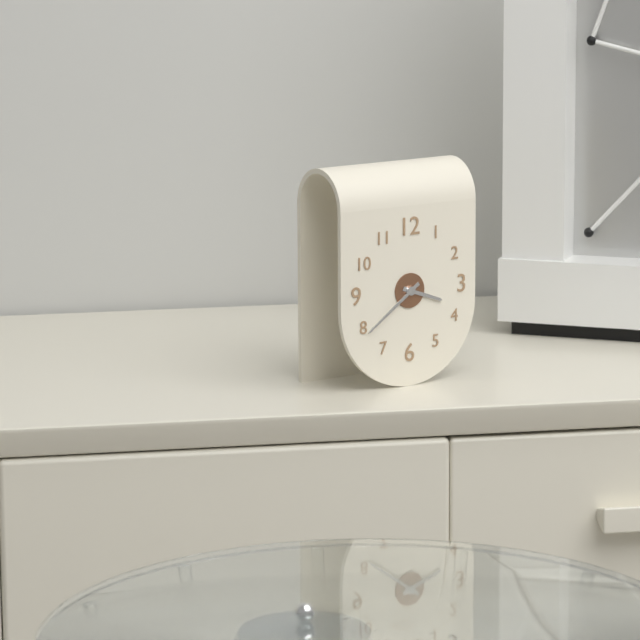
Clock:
{"hour": 3, "minute": 39}
